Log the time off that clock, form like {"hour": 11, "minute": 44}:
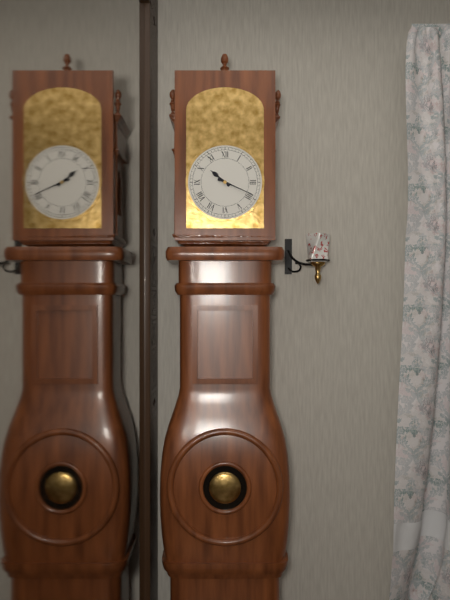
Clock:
{"hour": 10, "minute": 19}
